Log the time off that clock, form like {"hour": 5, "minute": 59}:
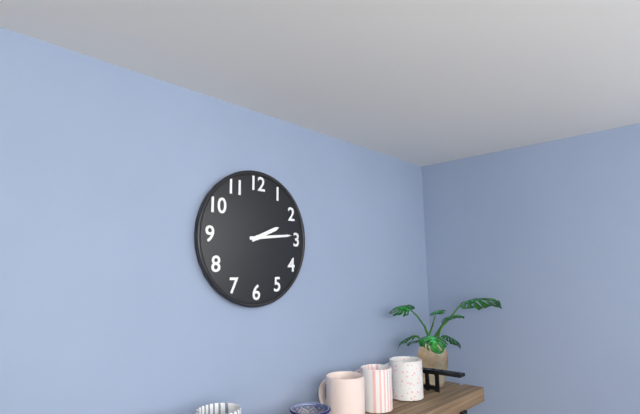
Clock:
{"hour": 2, "minute": 14}
